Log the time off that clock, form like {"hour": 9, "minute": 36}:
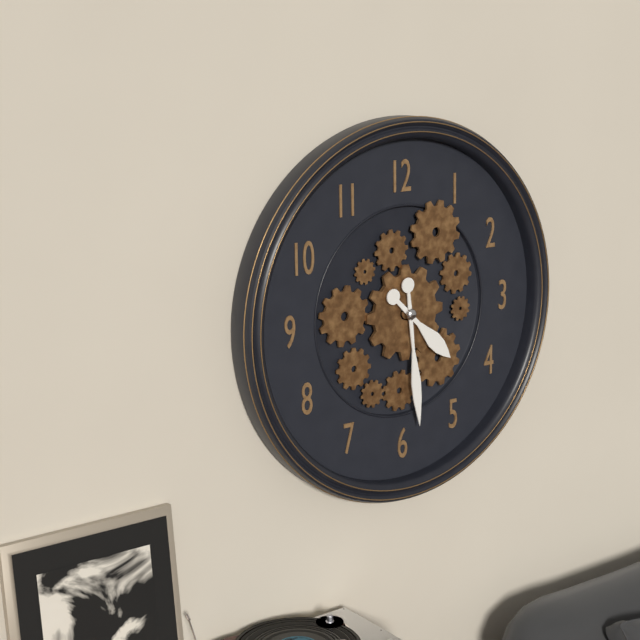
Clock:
{"hour": 4, "minute": 29}
